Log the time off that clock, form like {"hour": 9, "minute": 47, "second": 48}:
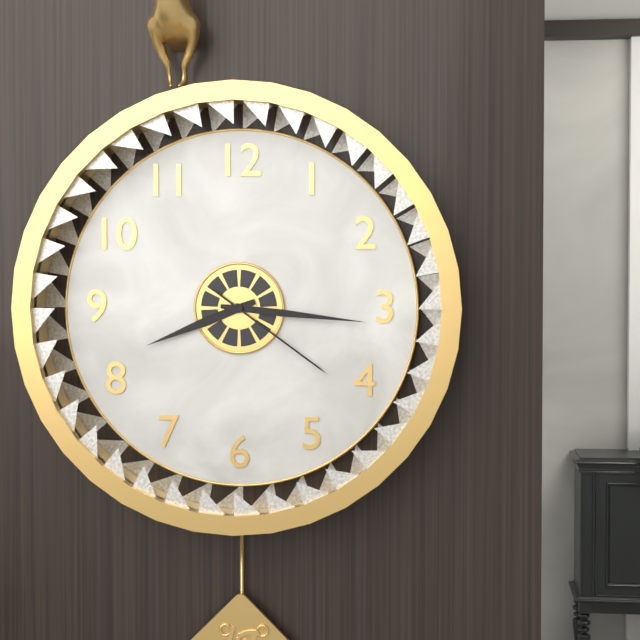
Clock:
{"hour": 8, "minute": 16, "second": 21}
